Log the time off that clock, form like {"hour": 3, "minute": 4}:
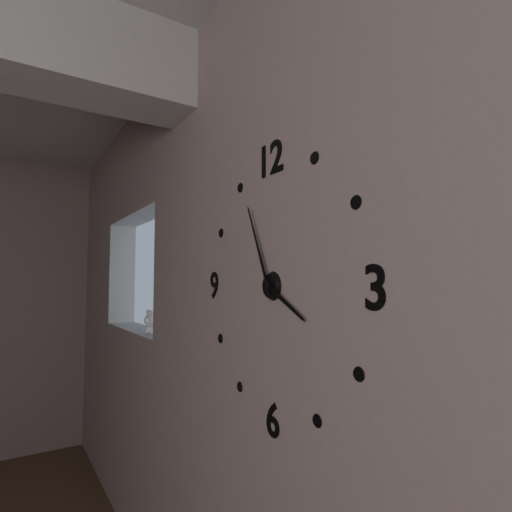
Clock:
{"hour": 3, "minute": 56}
